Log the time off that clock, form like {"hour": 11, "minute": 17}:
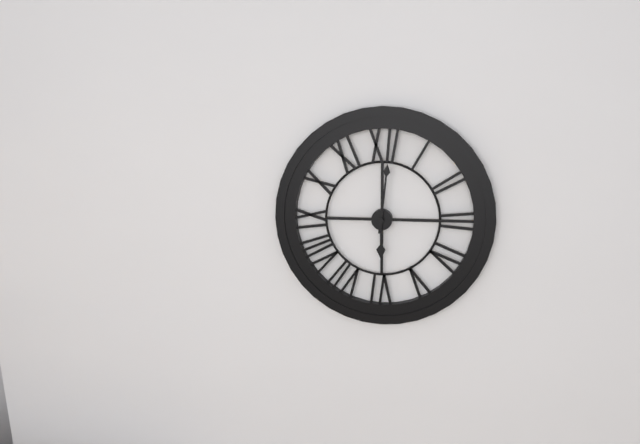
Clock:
{"hour": 6, "minute": 1}
